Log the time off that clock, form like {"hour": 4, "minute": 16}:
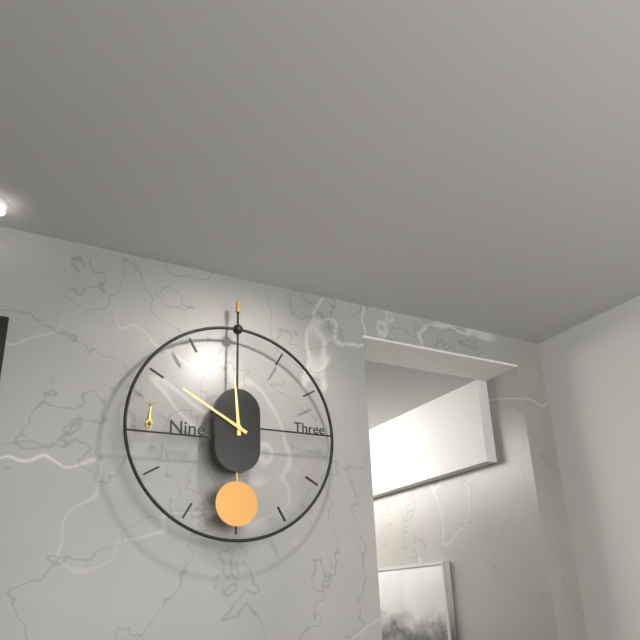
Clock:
{"hour": 11, "minute": 50}
